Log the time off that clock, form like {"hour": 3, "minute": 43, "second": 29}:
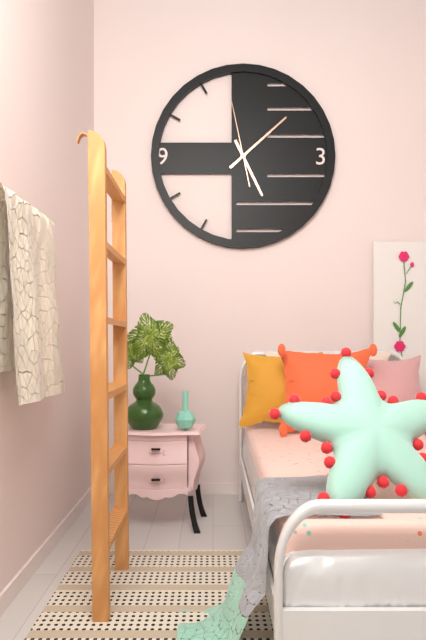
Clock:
{"hour": 5, "minute": 8, "second": 58}
